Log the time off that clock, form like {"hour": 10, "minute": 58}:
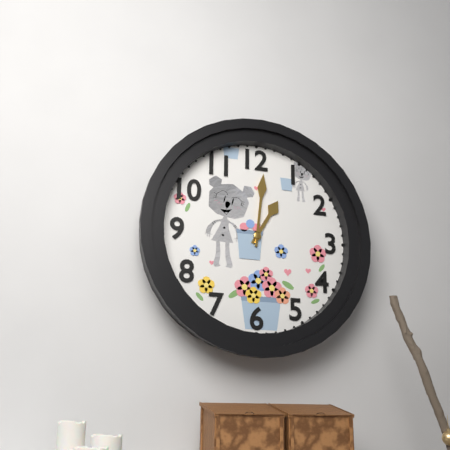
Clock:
{"hour": 1, "minute": 1}
